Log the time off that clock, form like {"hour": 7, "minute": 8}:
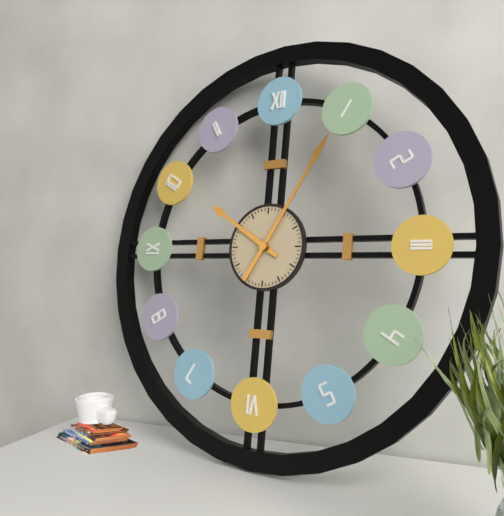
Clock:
{"hour": 10, "minute": 5}
